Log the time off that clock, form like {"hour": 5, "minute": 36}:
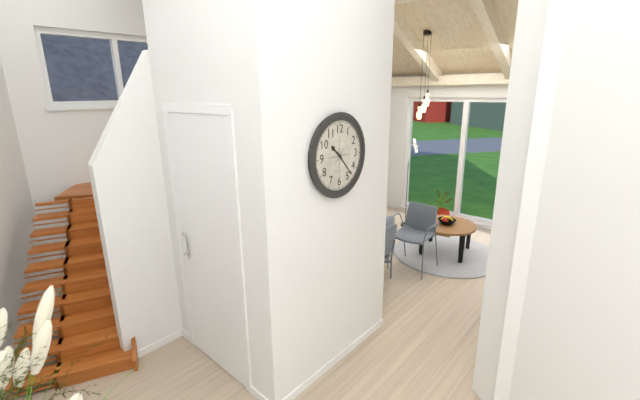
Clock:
{"hour": 10, "minute": 23}
